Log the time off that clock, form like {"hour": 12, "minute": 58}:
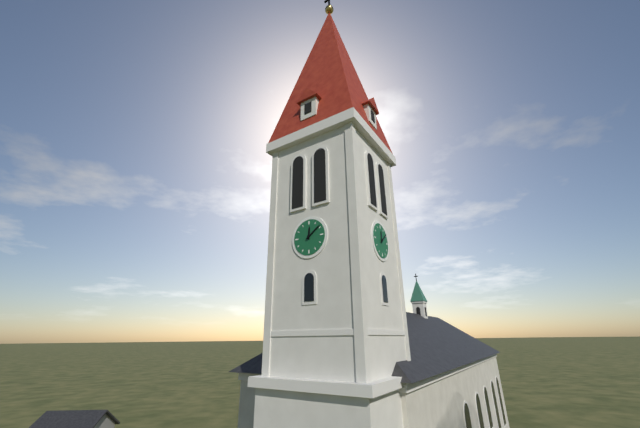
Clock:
{"hour": 12, "minute": 9}
